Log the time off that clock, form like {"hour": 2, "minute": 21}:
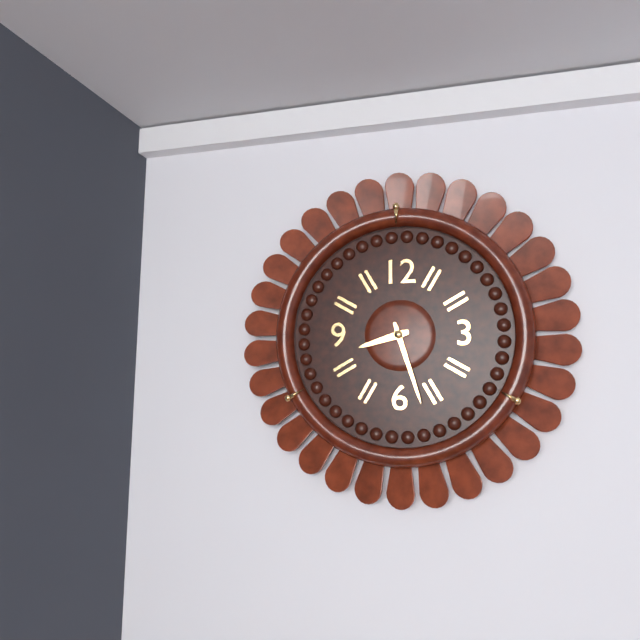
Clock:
{"hour": 8, "minute": 27}
